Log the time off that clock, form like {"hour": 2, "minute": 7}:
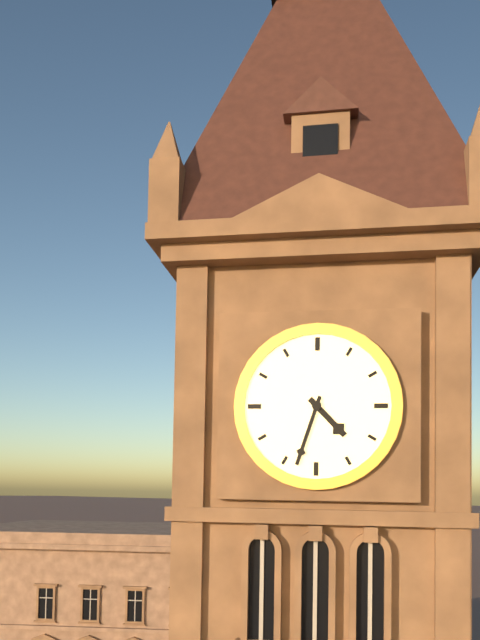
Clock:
{"hour": 4, "minute": 33}
